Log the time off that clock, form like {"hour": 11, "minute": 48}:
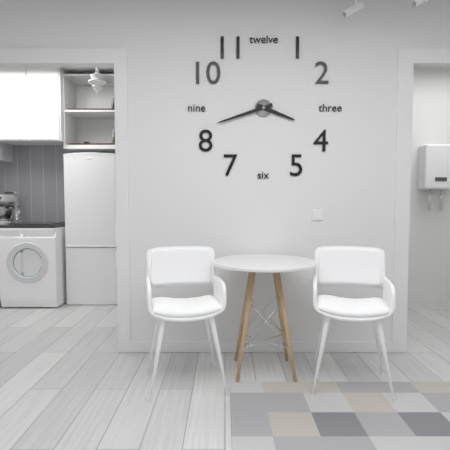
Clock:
{"hour": 3, "minute": 42}
